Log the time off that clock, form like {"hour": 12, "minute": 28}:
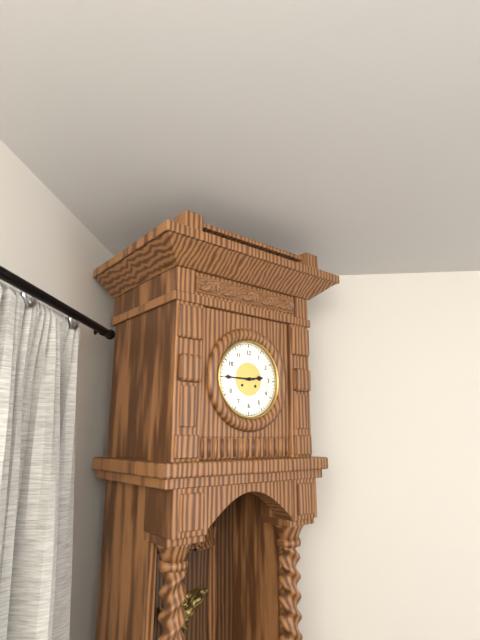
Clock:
{"hour": 2, "minute": 45}
